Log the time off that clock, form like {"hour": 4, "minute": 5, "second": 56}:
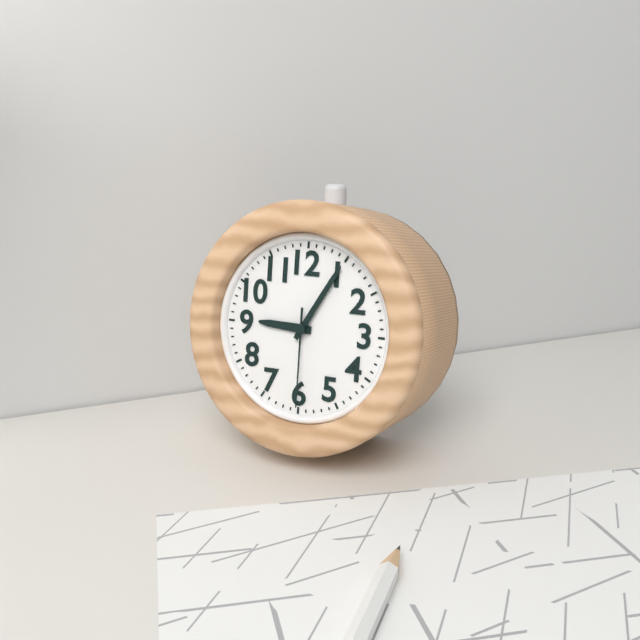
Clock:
{"hour": 9, "minute": 5, "second": 30}
